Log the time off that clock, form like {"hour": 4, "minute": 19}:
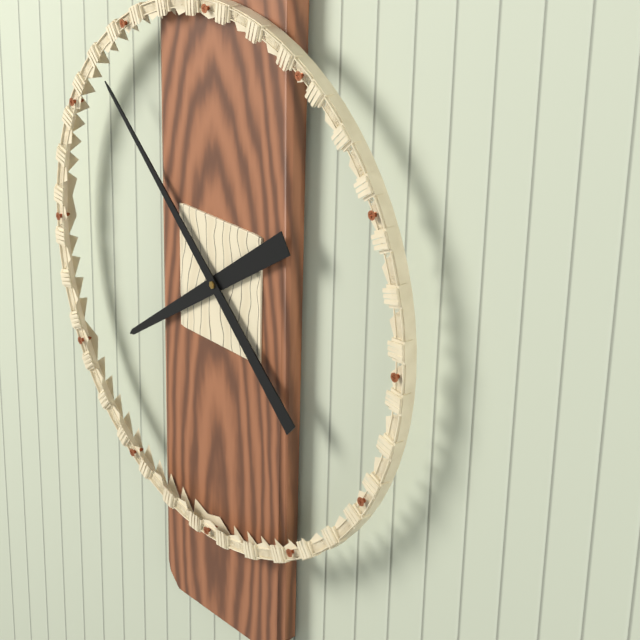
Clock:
{"hour": 7, "minute": 52}
